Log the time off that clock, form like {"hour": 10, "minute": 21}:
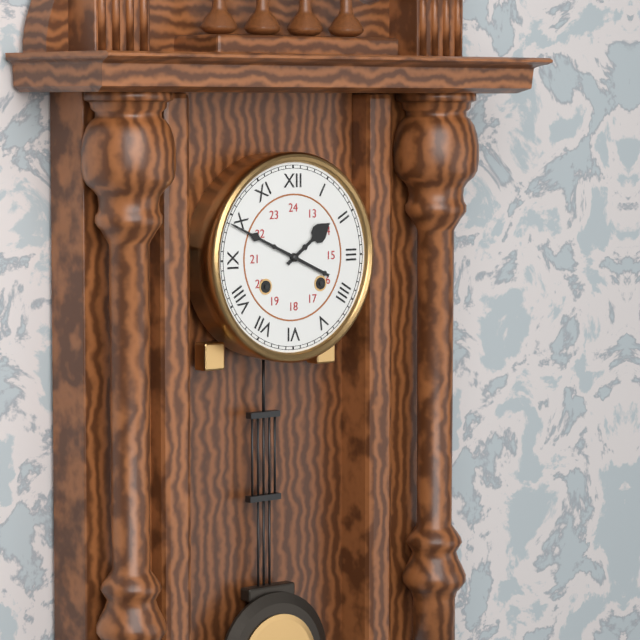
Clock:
{"hour": 1, "minute": 49}
